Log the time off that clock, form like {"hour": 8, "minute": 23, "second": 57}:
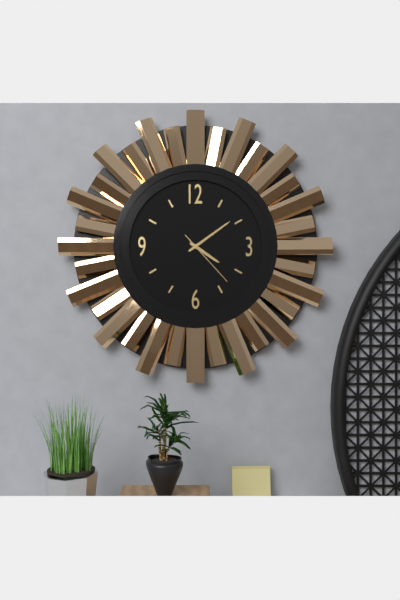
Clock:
{"hour": 4, "minute": 9, "second": 23}
